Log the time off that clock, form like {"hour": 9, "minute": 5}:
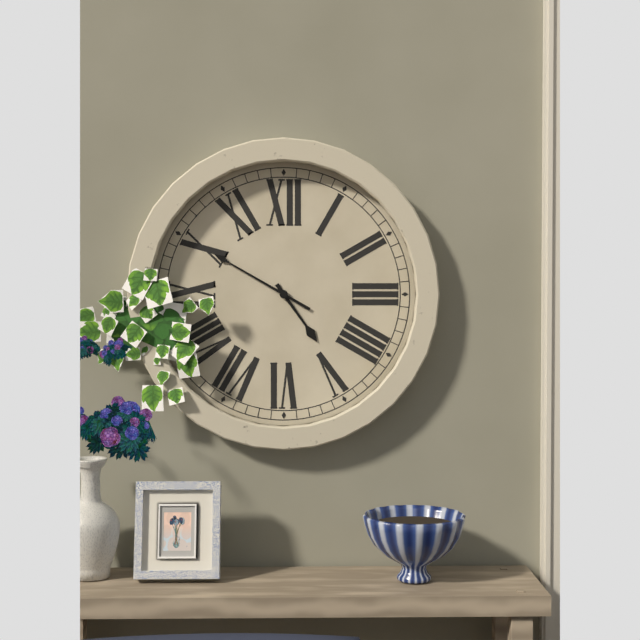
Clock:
{"hour": 4, "minute": 50}
